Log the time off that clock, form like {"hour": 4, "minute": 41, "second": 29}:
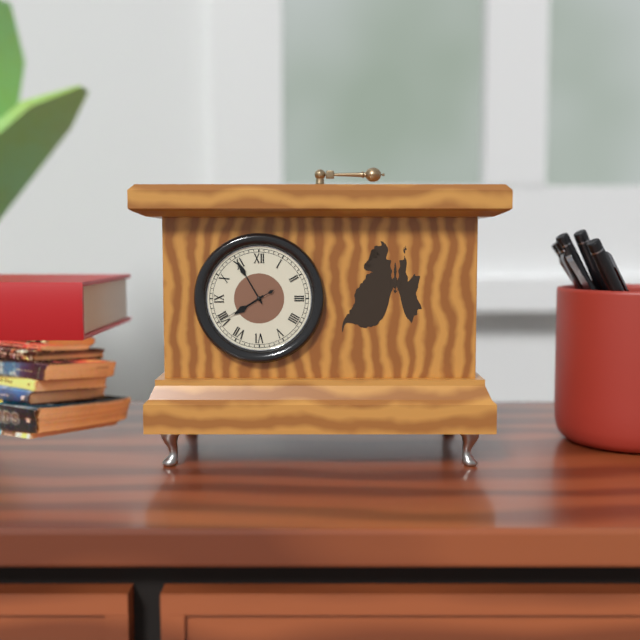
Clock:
{"hour": 7, "minute": 55, "second": 40}
